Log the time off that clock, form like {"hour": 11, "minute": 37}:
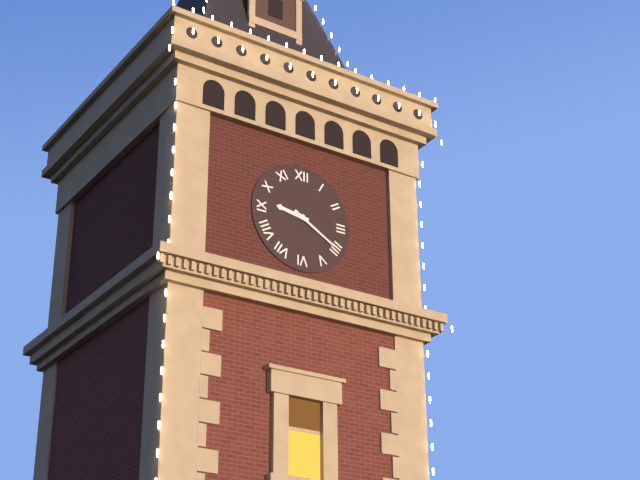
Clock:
{"hour": 9, "minute": 20}
